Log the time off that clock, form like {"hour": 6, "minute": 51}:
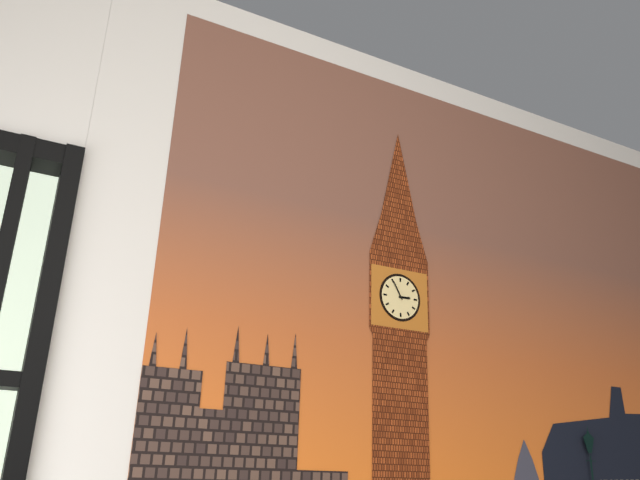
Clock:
{"hour": 2, "minute": 55}
